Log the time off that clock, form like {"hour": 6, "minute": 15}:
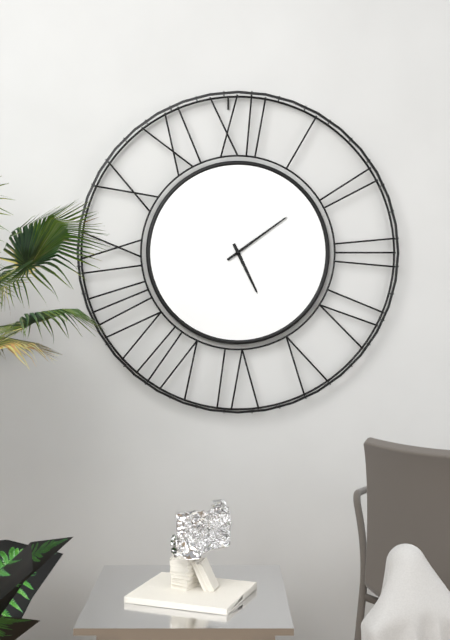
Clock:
{"hour": 5, "minute": 9}
